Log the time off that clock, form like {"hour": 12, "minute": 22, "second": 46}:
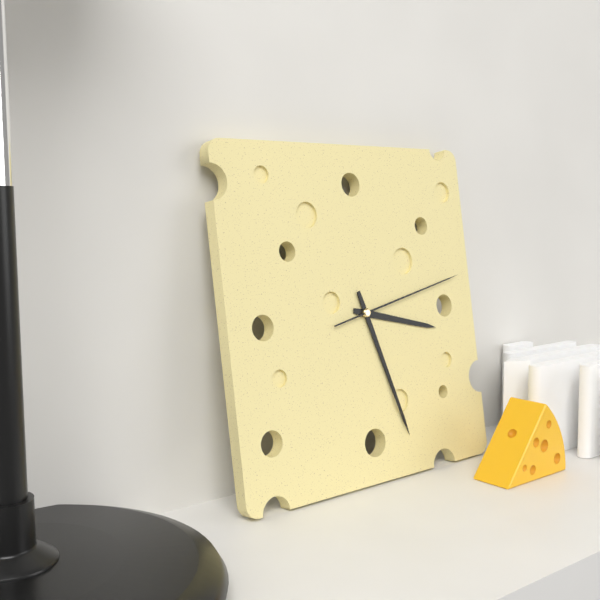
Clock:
{"hour": 3, "minute": 27, "second": 13}
